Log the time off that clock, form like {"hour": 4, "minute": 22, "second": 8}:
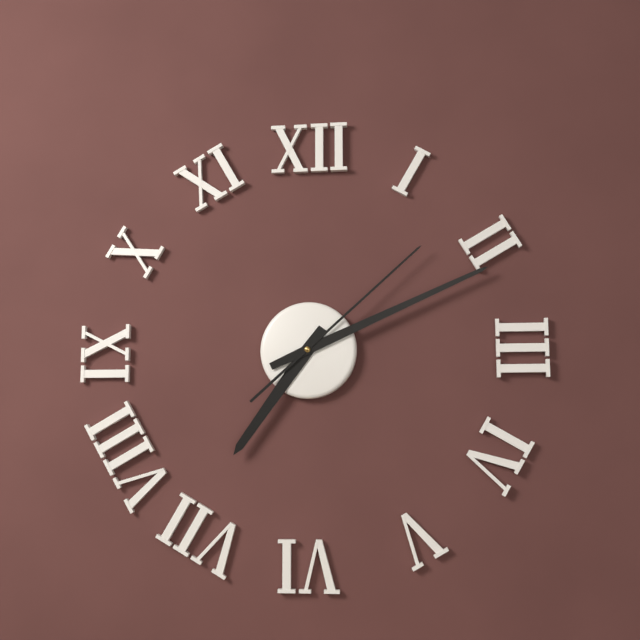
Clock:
{"hour": 7, "minute": 11, "second": 8}
